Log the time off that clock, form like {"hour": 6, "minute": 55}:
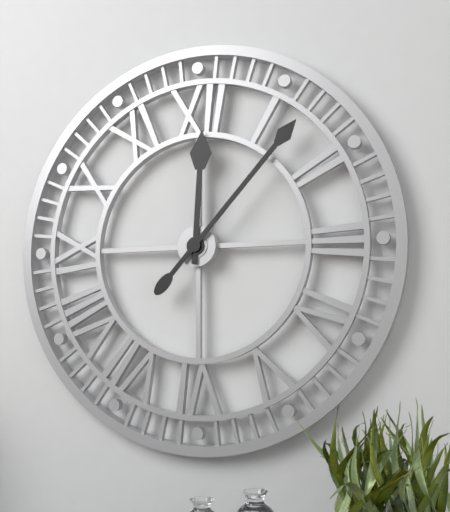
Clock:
{"hour": 12, "minute": 7}
